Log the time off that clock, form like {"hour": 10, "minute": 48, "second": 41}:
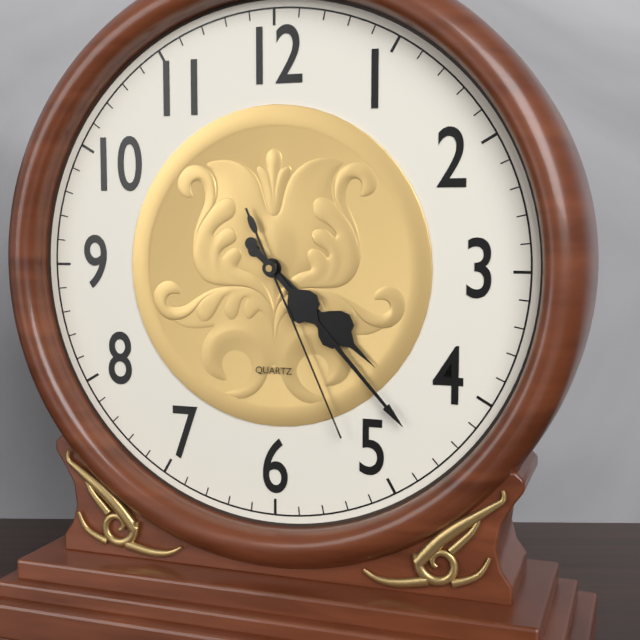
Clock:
{"hour": 4, "minute": 23, "second": 26}
